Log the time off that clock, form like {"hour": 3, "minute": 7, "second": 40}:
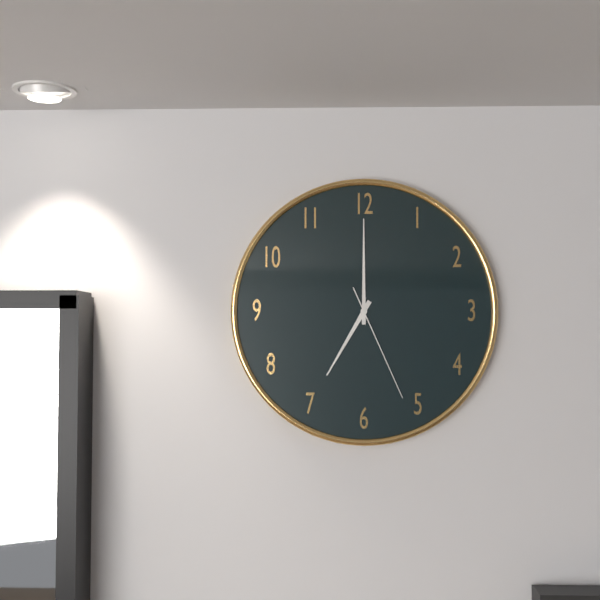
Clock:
{"hour": 7, "minute": 0, "second": 26}
